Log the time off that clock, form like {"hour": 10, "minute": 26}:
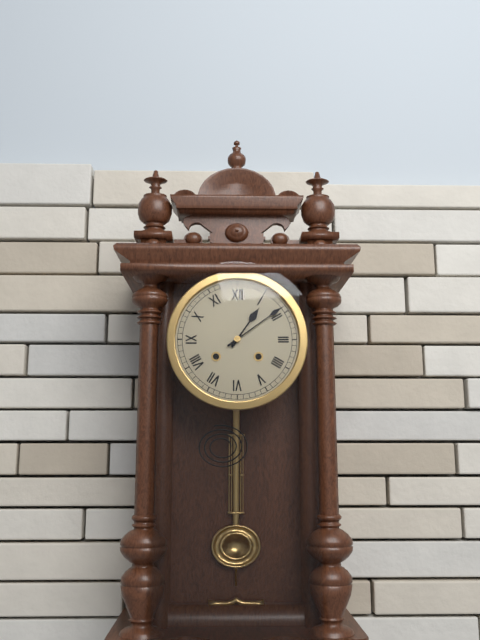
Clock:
{"hour": 1, "minute": 9}
